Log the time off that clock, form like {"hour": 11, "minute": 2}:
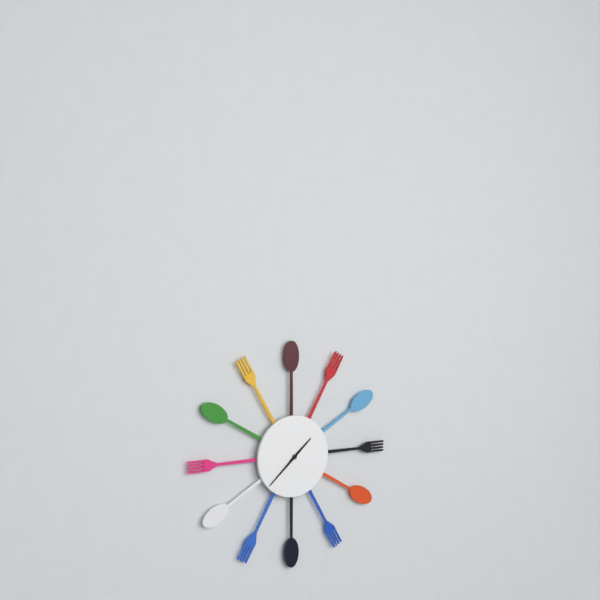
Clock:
{"hour": 1, "minute": 38}
